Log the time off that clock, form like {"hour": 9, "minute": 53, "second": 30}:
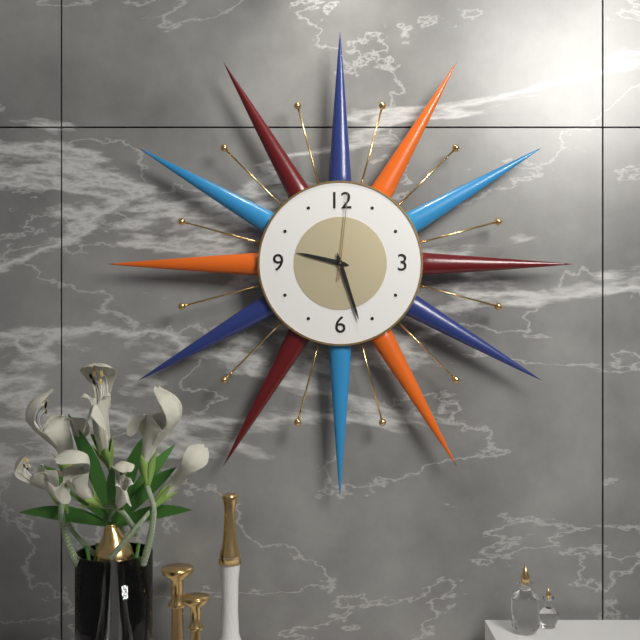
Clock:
{"hour": 9, "minute": 27, "second": 1}
